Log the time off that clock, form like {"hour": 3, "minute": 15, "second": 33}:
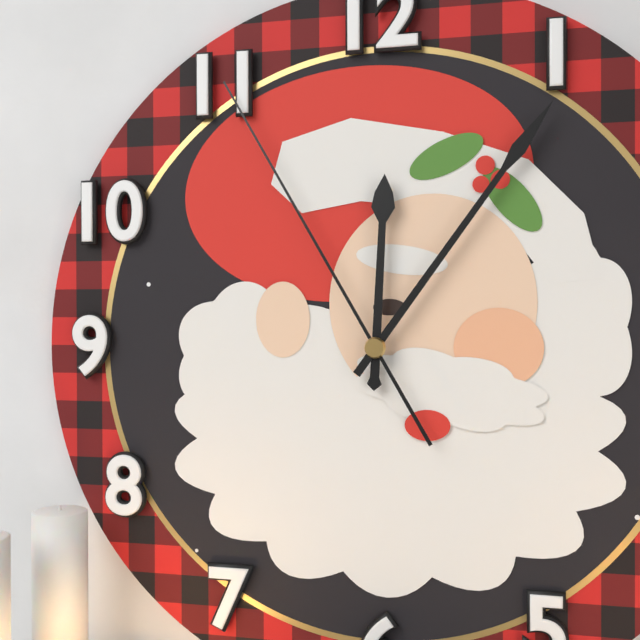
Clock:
{"hour": 12, "minute": 6, "second": 55}
